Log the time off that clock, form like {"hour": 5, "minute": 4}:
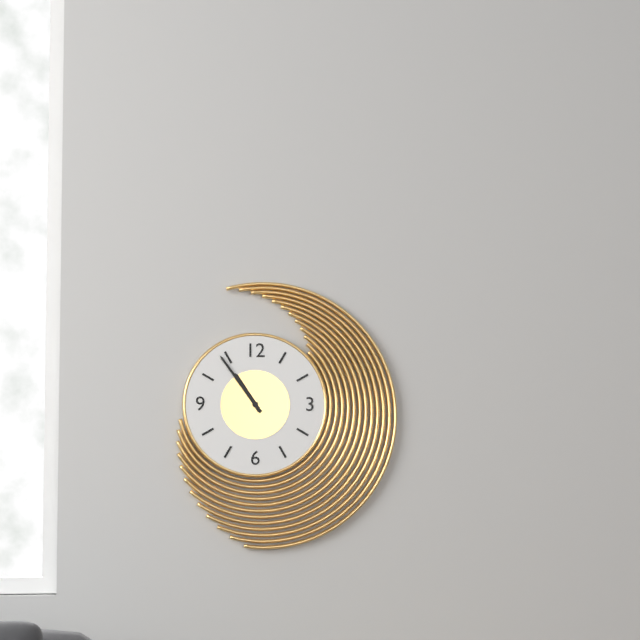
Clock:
{"hour": 10, "minute": 54}
